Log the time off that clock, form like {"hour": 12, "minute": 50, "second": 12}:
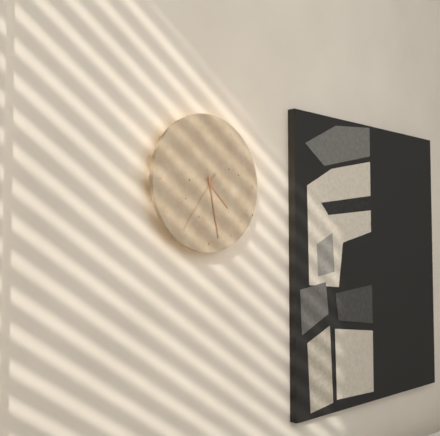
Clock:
{"hour": 4, "minute": 28, "second": 36}
